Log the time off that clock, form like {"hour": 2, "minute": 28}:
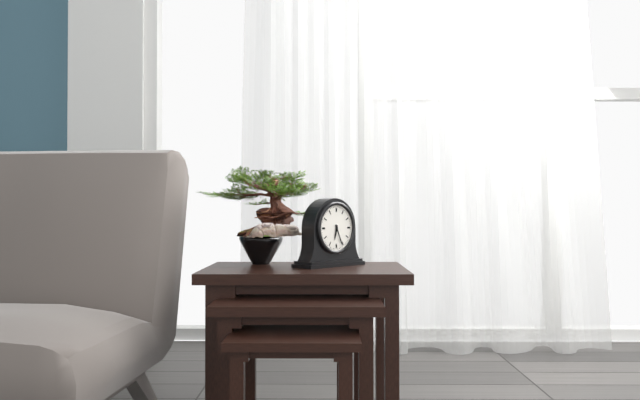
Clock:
{"hour": 6, "minute": 26}
